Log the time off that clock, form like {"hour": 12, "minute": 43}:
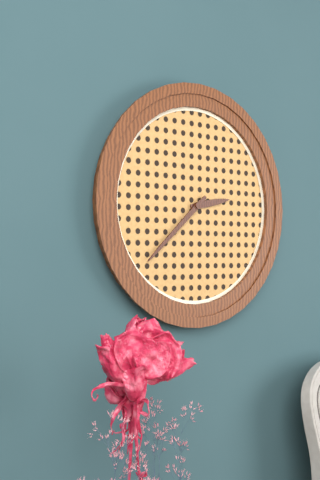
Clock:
{"hour": 2, "minute": 38}
